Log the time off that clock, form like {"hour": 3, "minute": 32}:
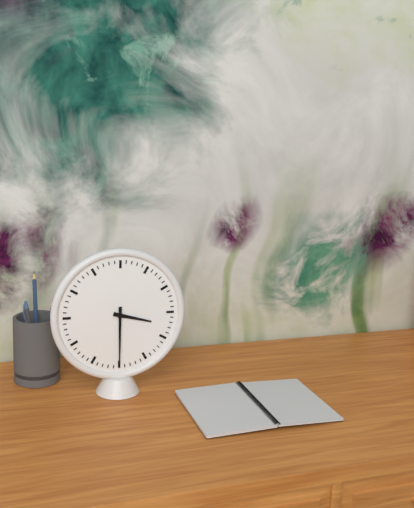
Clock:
{"hour": 3, "minute": 30}
